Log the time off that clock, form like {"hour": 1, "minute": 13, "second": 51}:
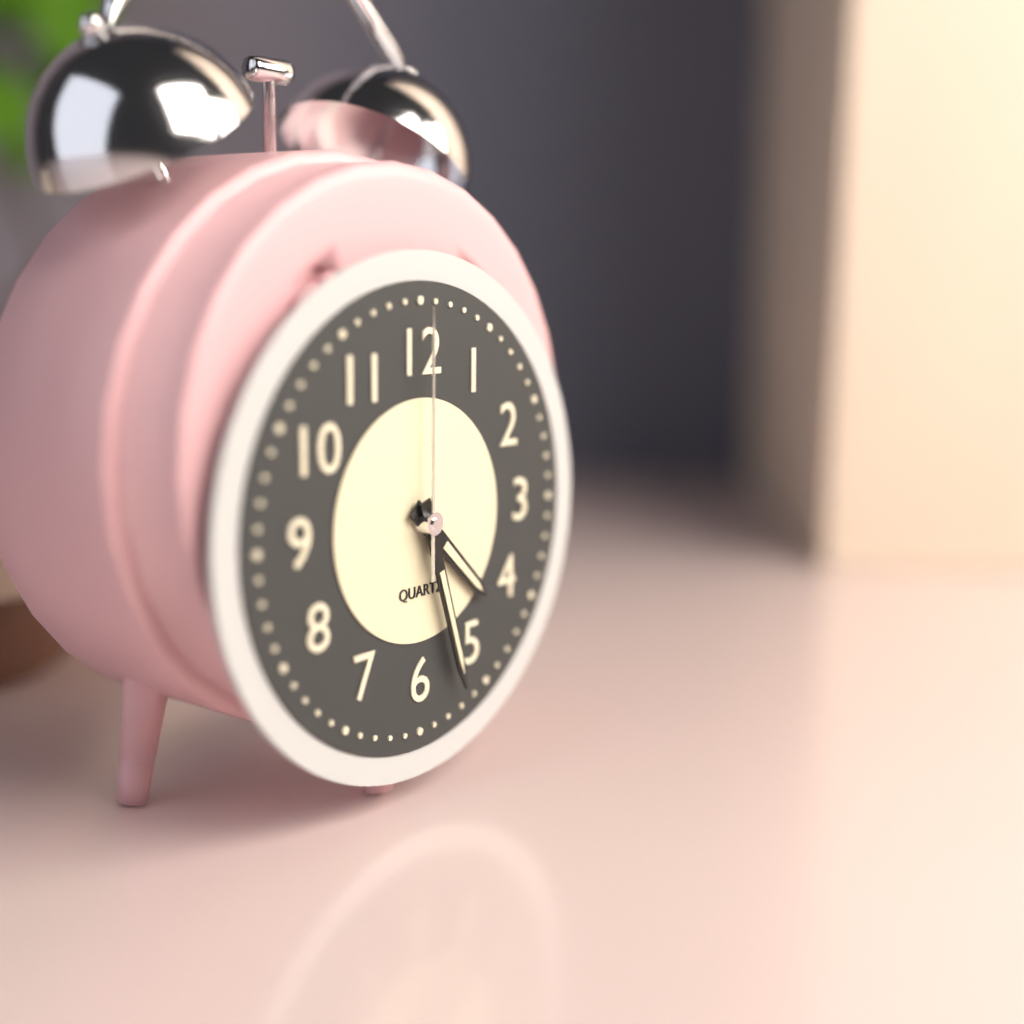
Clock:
{"hour": 4, "minute": 27, "second": 0}
